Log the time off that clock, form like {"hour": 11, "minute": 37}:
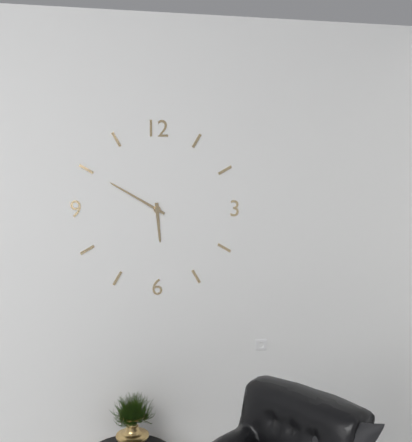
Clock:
{"hour": 5, "minute": 50}
